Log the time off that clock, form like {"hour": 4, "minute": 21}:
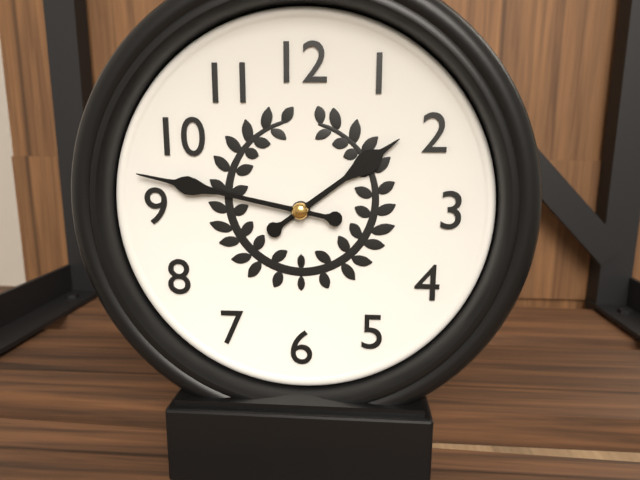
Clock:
{"hour": 1, "minute": 47}
